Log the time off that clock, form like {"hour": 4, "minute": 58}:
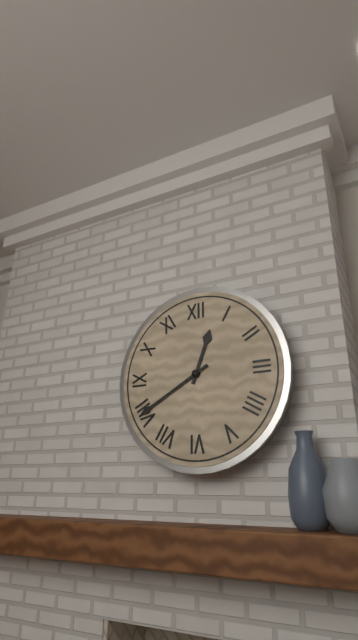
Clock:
{"hour": 12, "minute": 40}
